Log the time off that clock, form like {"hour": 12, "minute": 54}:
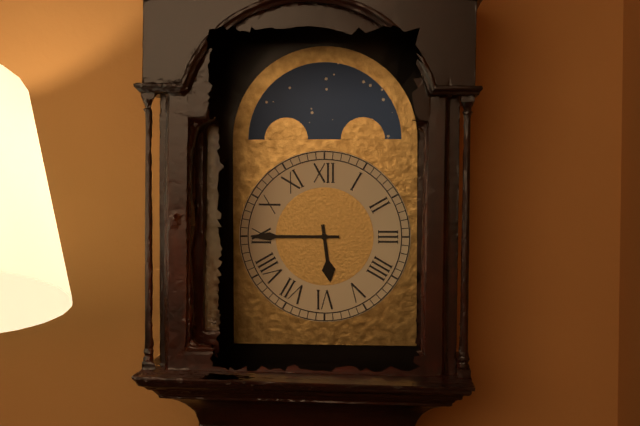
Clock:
{"hour": 5, "minute": 45}
